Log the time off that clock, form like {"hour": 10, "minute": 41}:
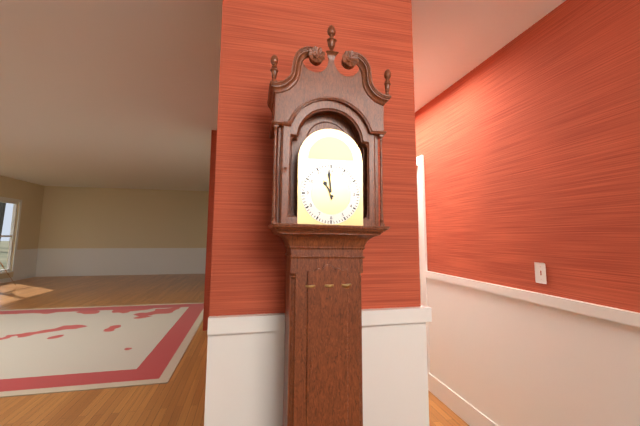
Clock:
{"hour": 10, "minute": 59}
